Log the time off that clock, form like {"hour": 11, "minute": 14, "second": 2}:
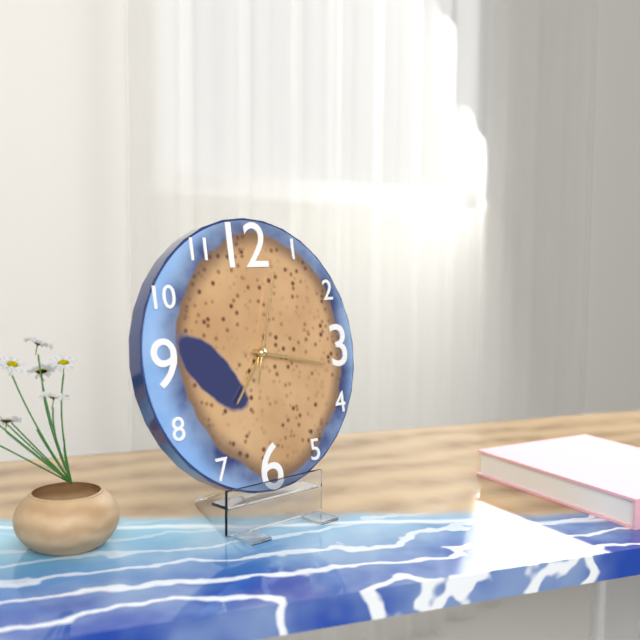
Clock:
{"hour": 7, "minute": 17, "second": 3}
